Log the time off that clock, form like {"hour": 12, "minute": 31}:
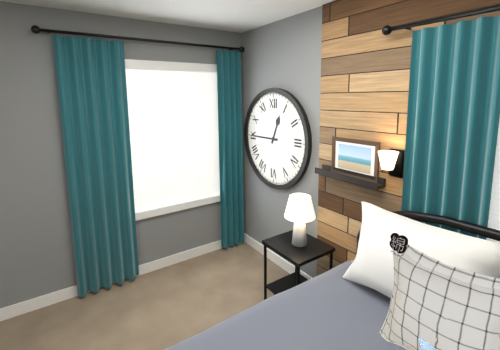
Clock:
{"hour": 12, "minute": 45}
